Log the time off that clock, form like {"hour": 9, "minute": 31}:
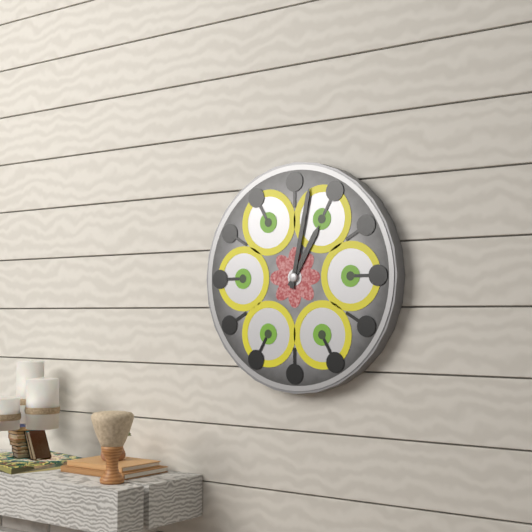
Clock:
{"hour": 1, "minute": 2}
